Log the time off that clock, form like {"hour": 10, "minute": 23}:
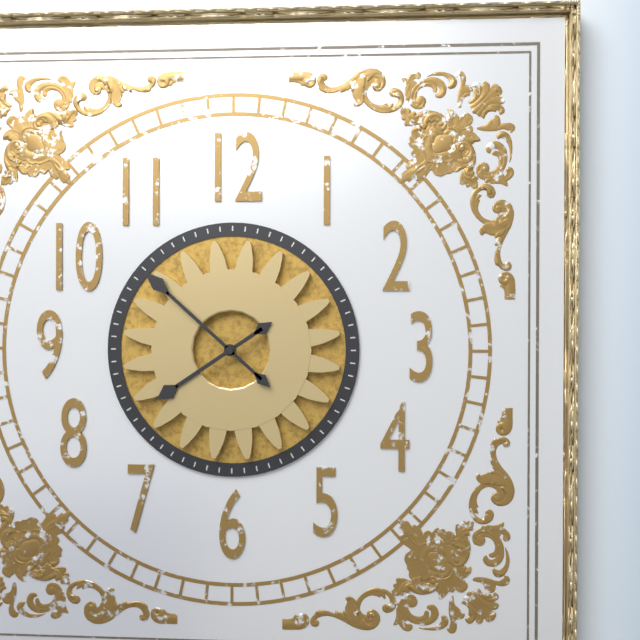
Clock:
{"hour": 7, "minute": 52}
